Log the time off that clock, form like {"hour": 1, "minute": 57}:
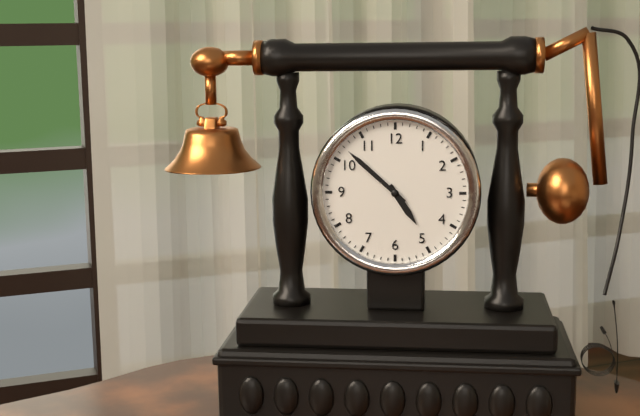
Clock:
{"hour": 4, "minute": 52}
